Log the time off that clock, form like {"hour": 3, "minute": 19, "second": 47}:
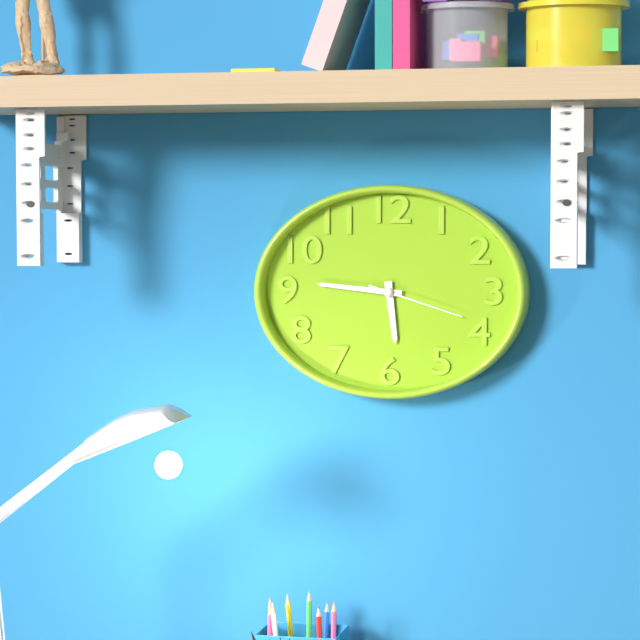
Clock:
{"hour": 5, "minute": 46, "second": 18}
